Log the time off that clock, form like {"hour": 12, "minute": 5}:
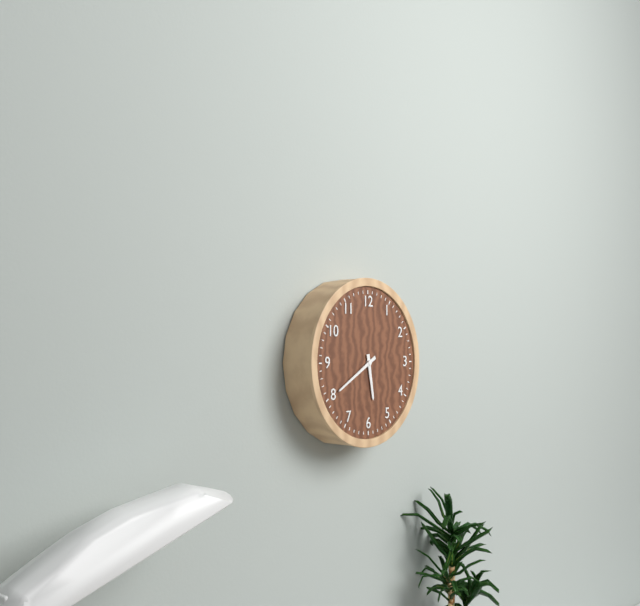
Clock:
{"hour": 5, "minute": 40}
